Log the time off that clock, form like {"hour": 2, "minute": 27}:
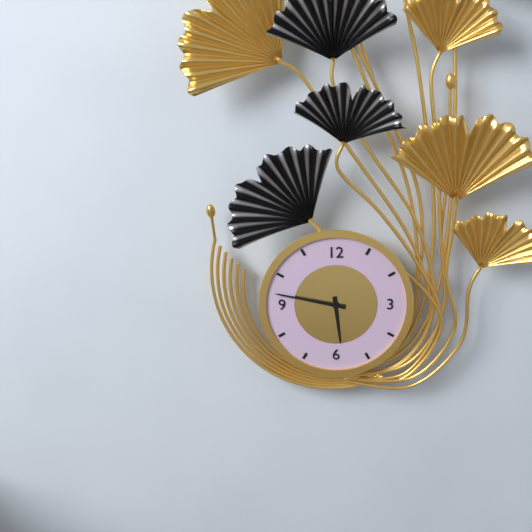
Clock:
{"hour": 5, "minute": 47}
